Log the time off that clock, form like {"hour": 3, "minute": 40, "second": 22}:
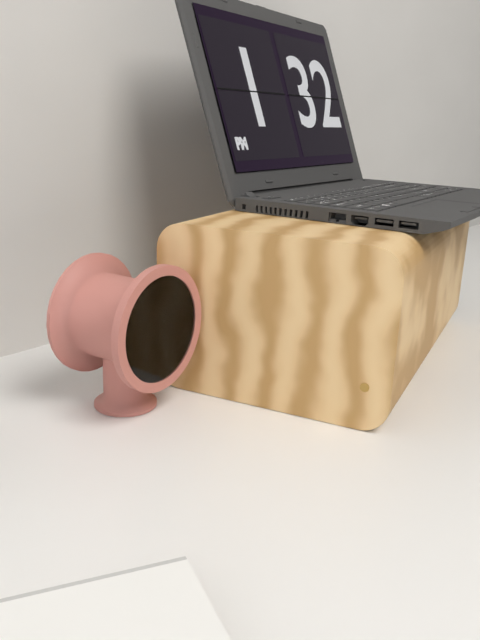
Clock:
{"hour": 2, "minute": 57, "second": 34}
